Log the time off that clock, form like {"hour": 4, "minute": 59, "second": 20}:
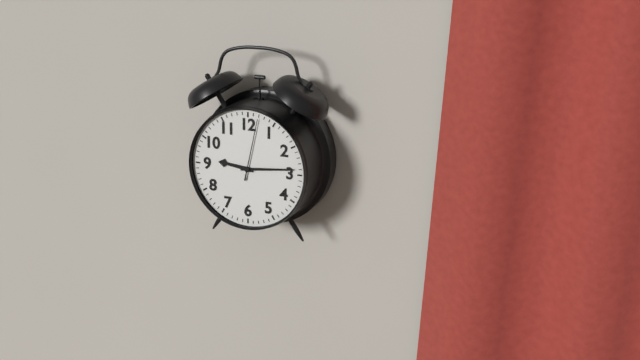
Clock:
{"hour": 9, "minute": 14, "second": 2}
